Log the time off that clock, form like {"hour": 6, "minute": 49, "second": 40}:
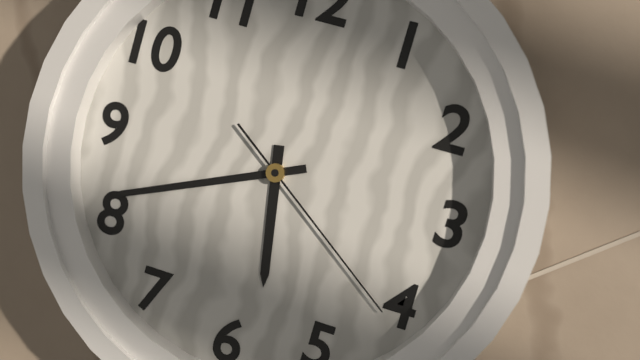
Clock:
{"hour": 5, "minute": 41, "second": 21}
